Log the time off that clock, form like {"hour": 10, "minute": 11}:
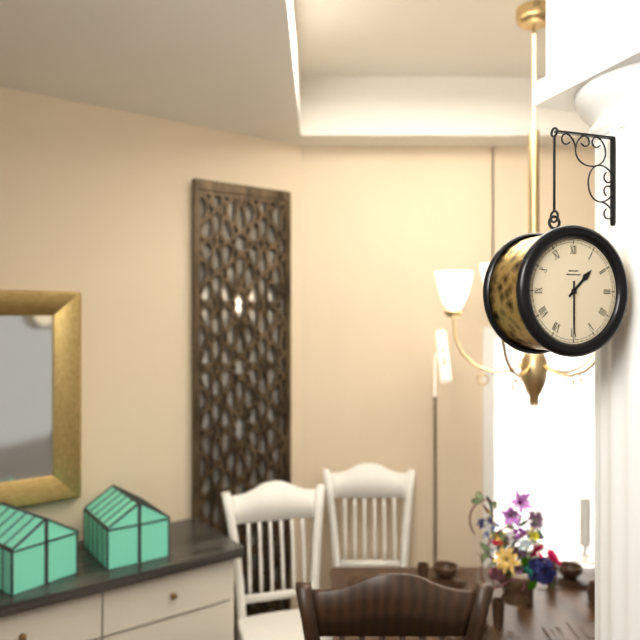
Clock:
{"hour": 1, "minute": 30}
